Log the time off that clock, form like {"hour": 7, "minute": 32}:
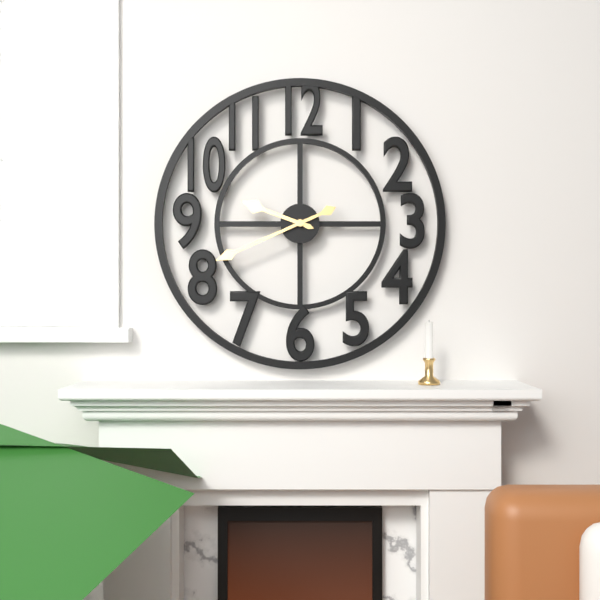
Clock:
{"hour": 9, "minute": 41}
